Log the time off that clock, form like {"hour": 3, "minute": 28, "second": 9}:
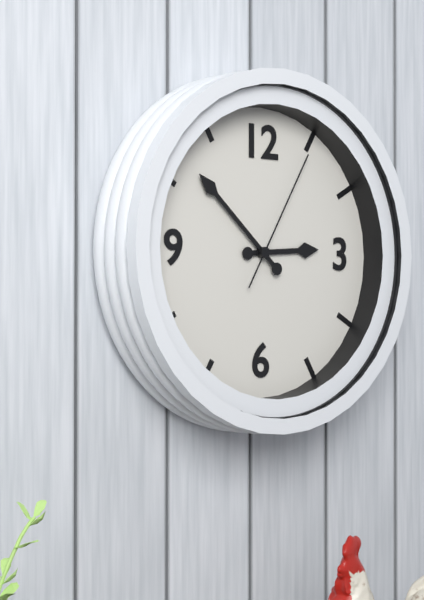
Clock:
{"hour": 2, "minute": 52, "second": 5}
